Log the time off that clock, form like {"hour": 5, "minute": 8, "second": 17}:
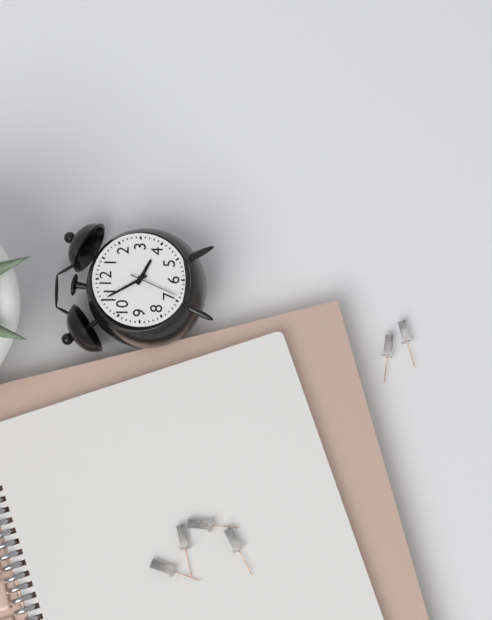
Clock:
{"hour": 3, "minute": 55, "second": 34}
